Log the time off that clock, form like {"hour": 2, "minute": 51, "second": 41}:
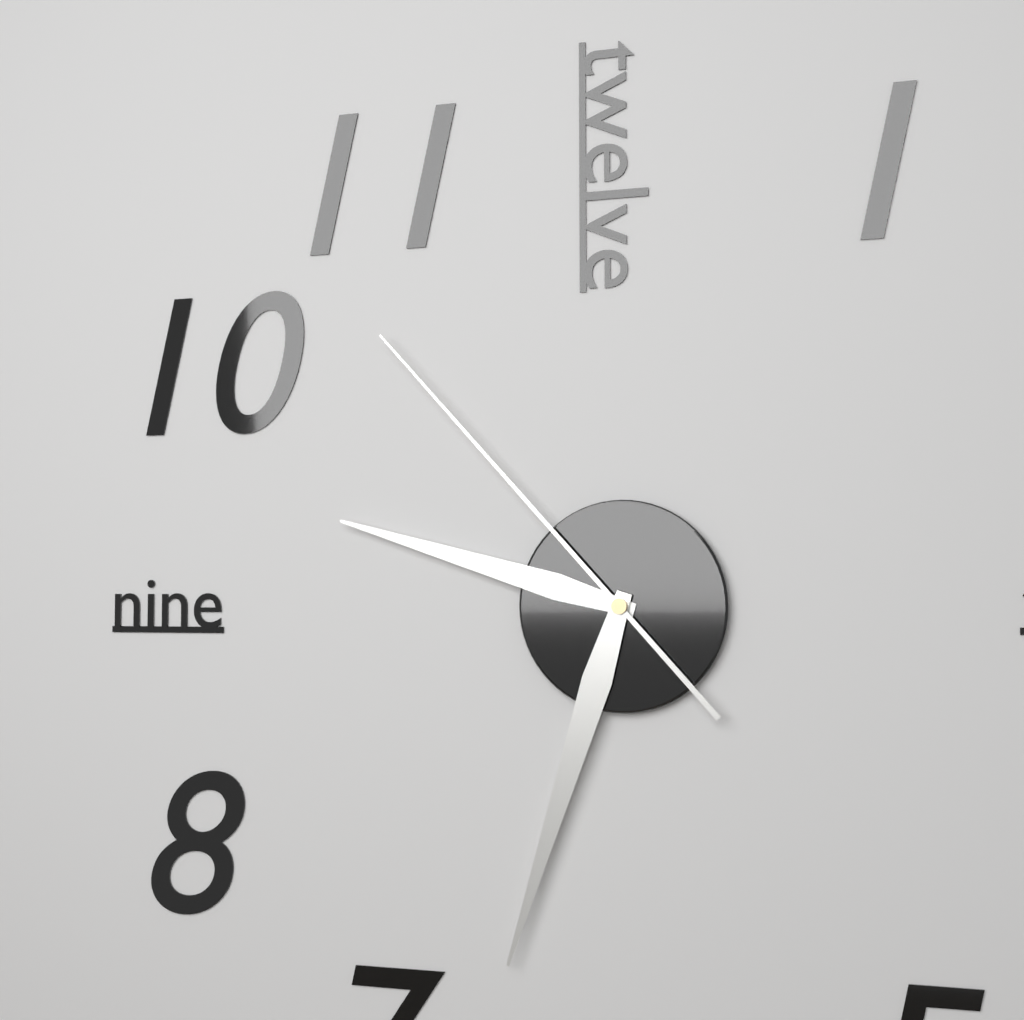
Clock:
{"hour": 9, "minute": 33, "second": 53}
